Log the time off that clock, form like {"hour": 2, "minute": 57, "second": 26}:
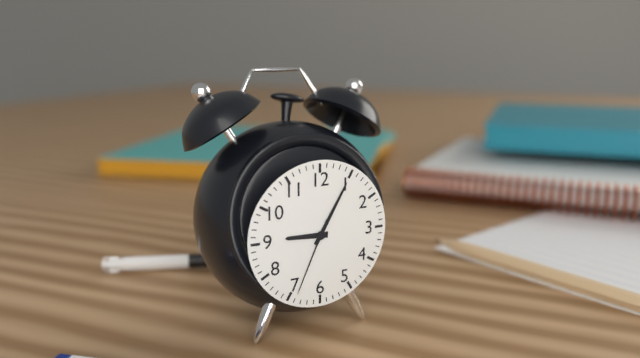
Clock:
{"hour": 9, "minute": 5, "second": 34}
